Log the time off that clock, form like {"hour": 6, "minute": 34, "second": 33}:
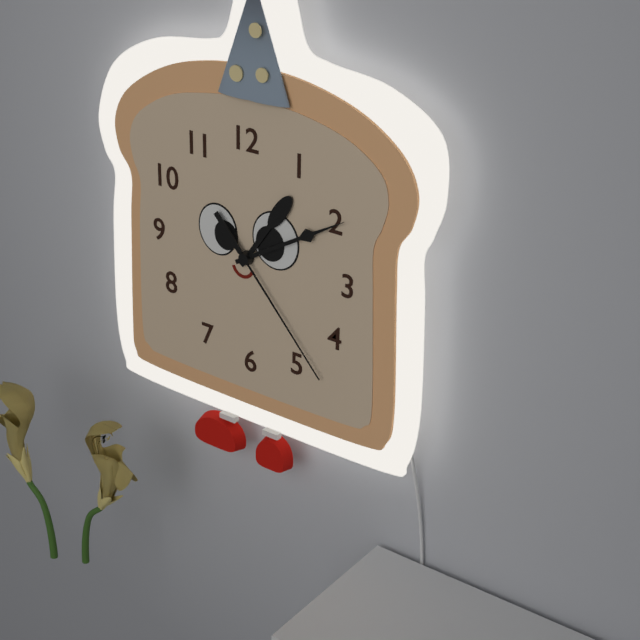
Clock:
{"hour": 1, "minute": 10, "second": 23}
